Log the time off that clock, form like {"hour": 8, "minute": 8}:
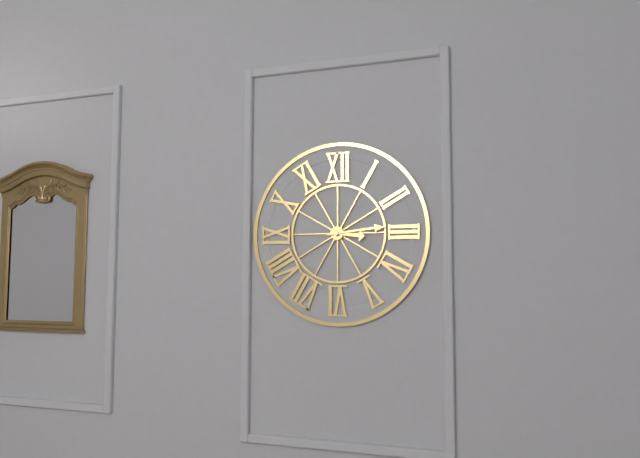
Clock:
{"hour": 3, "minute": 14}
